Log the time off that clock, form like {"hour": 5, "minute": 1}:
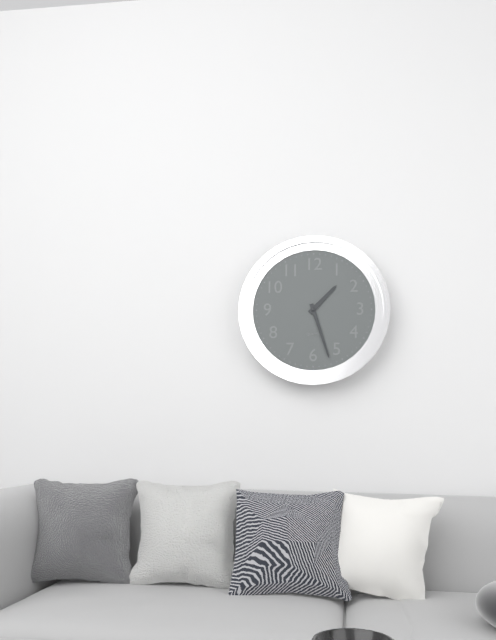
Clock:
{"hour": 1, "minute": 27}
